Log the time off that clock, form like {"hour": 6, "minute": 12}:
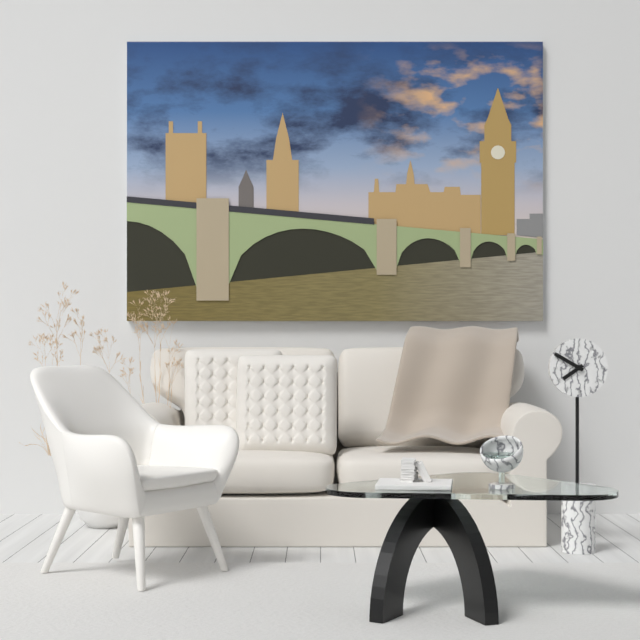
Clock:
{"hour": 7, "minute": 50}
